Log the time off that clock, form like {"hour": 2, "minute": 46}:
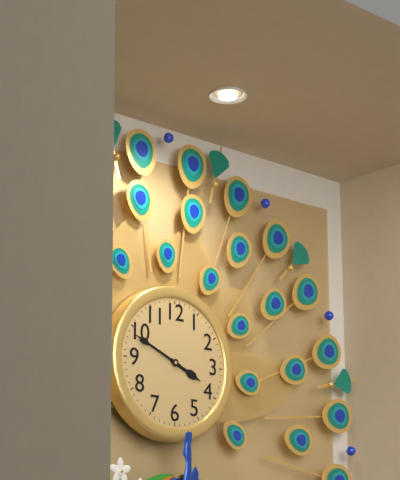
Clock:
{"hour": 3, "minute": 49}
